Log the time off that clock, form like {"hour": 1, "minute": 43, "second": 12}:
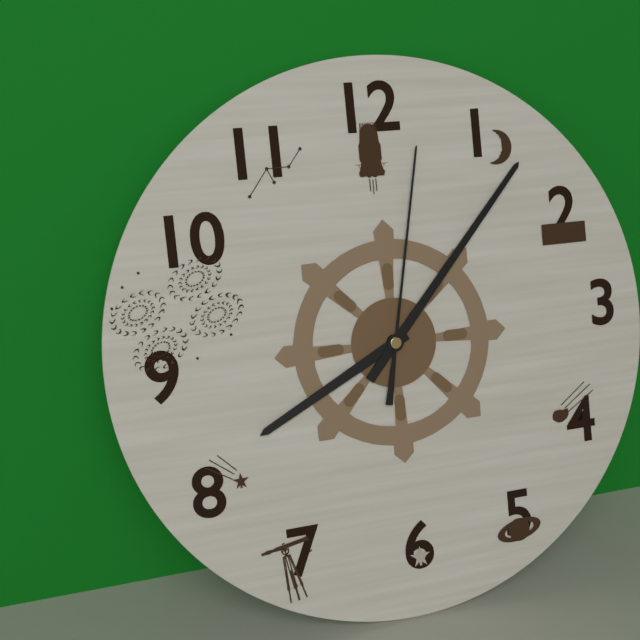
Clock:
{"hour": 8, "minute": 7, "second": 2}
